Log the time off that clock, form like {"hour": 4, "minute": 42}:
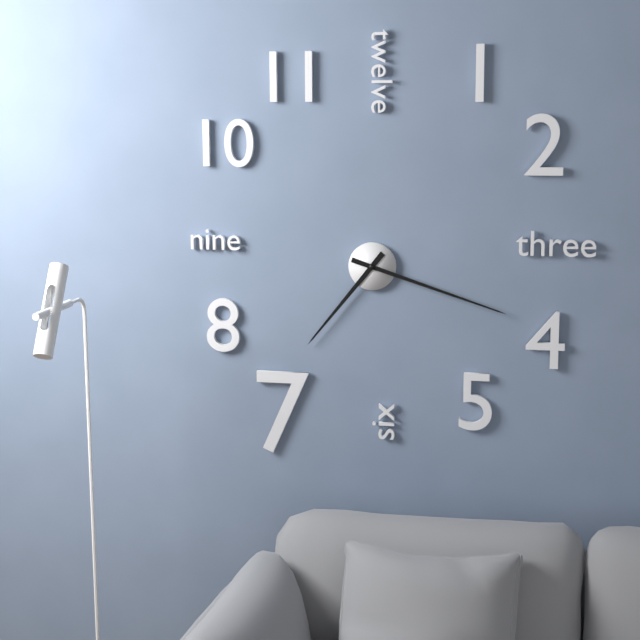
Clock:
{"hour": 7, "minute": 18}
